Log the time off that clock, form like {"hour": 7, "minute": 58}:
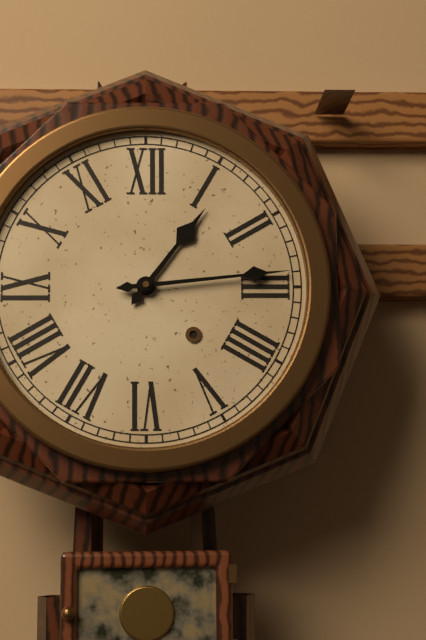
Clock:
{"hour": 1, "minute": 14}
